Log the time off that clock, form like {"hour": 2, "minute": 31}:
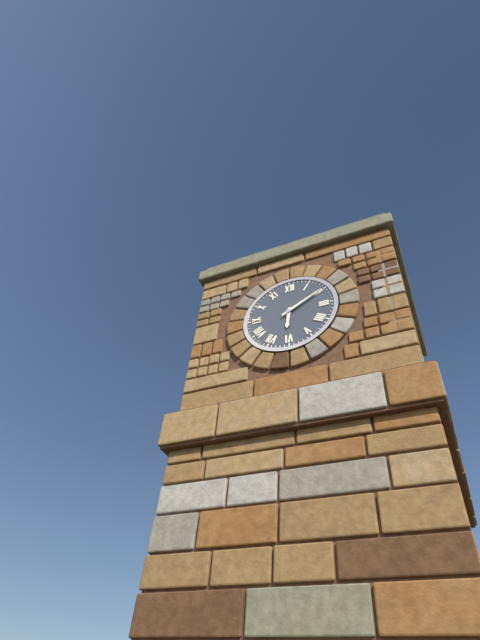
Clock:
{"hour": 6, "minute": 10}
